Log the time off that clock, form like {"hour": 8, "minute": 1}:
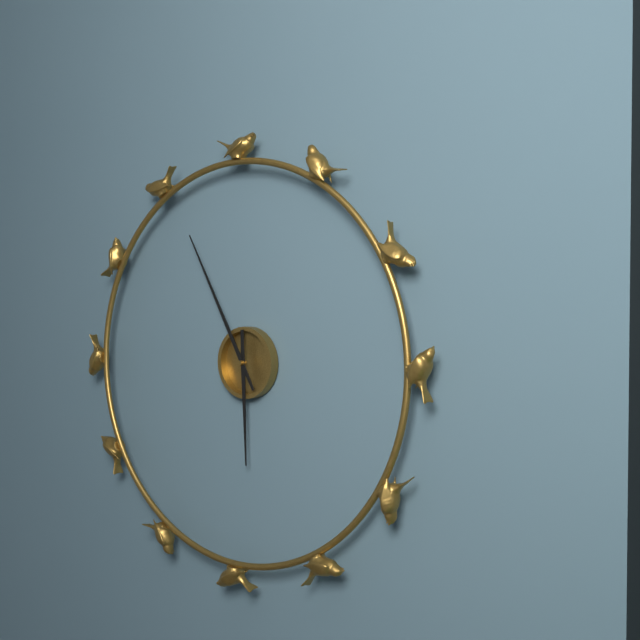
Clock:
{"hour": 5, "minute": 55}
